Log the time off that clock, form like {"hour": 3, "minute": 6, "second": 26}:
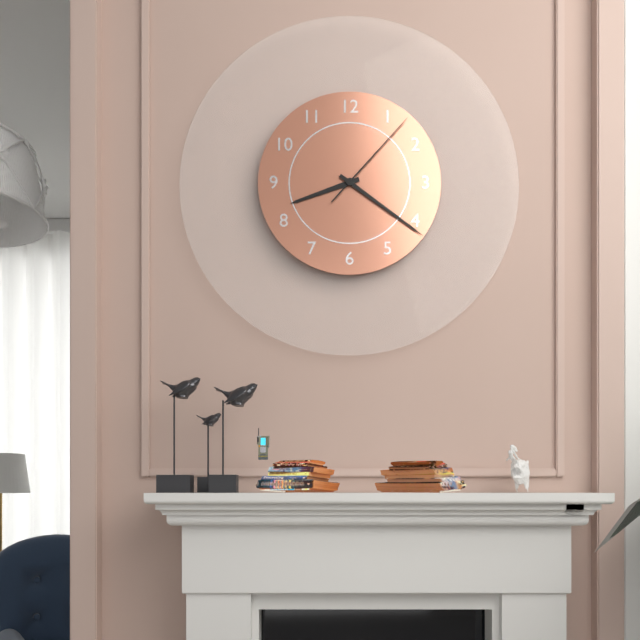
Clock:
{"hour": 8, "minute": 21, "second": 7}
